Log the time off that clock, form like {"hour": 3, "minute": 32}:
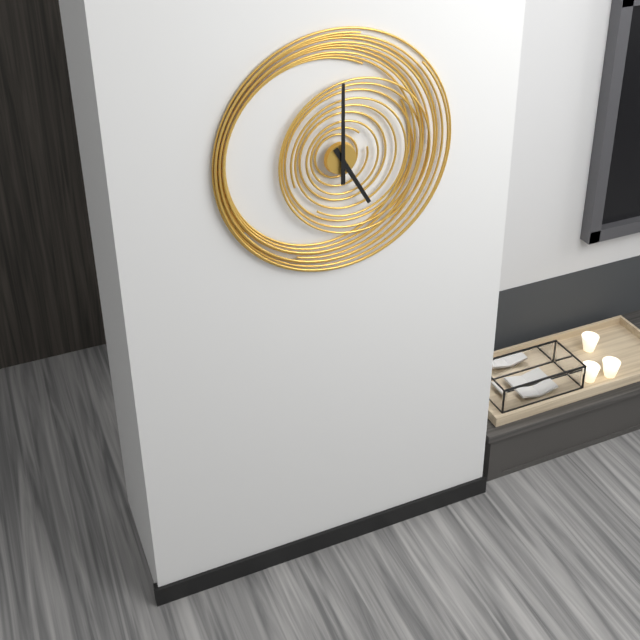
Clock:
{"hour": 5, "minute": 0}
